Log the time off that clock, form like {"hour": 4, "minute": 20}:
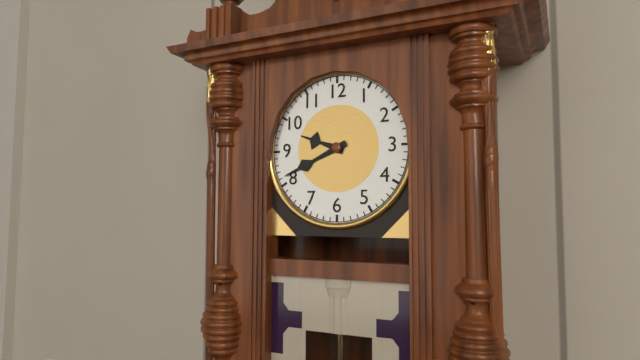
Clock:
{"hour": 9, "minute": 41}
